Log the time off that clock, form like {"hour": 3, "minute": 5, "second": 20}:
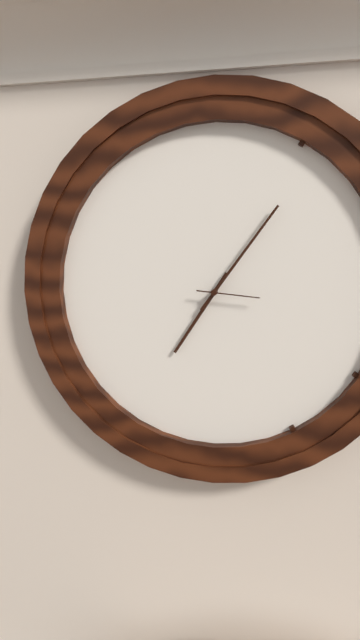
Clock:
{"hour": 7, "minute": 6, "second": 16}
